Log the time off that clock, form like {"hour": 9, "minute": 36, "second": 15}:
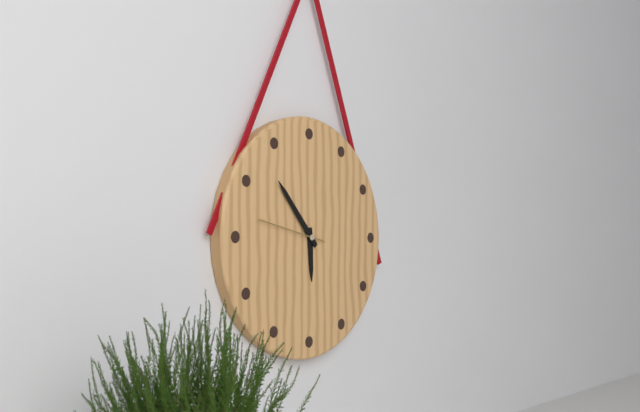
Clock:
{"hour": 5, "minute": 53, "second": 47}
